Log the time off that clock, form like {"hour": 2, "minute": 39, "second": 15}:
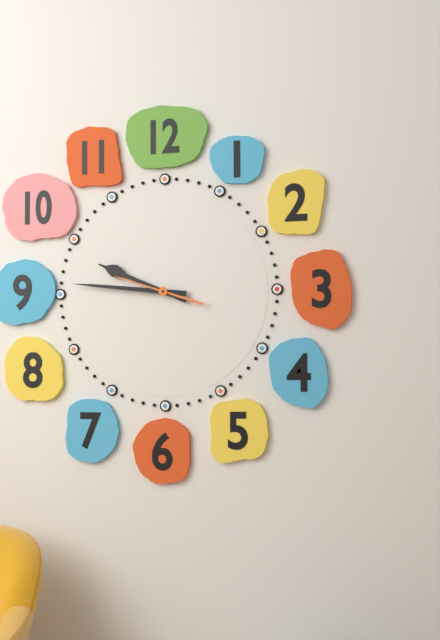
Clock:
{"hour": 9, "minute": 46, "second": 48}
